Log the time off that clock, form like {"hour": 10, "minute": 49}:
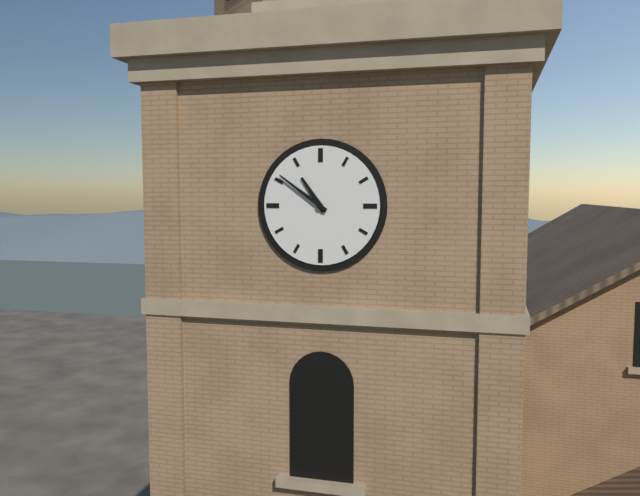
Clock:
{"hour": 10, "minute": 51}
